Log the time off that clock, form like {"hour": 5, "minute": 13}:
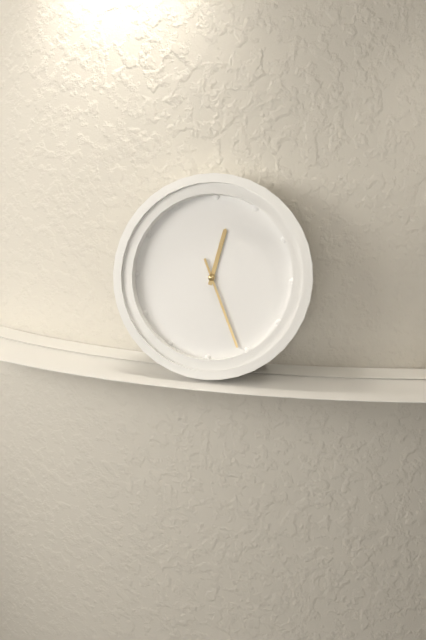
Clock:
{"hour": 12, "minute": 26}
